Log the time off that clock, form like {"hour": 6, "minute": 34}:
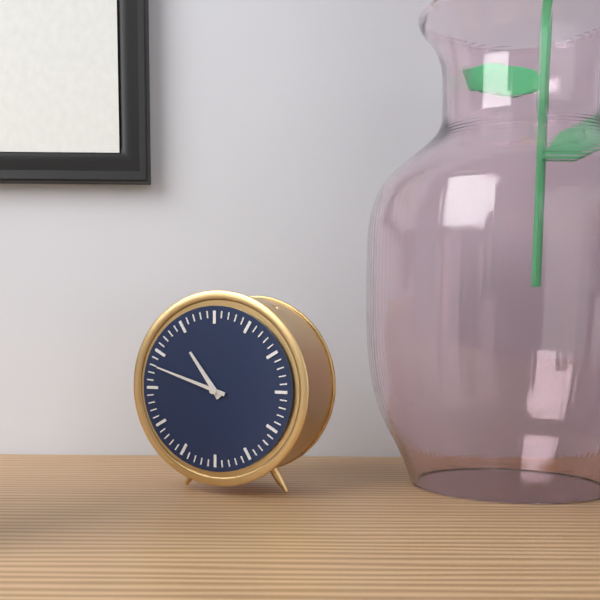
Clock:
{"hour": 10, "minute": 48}
